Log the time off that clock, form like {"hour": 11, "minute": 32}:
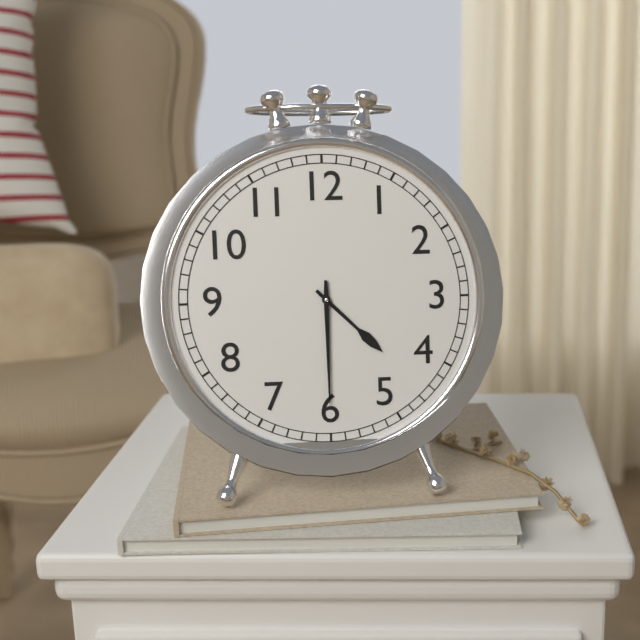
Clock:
{"hour": 4, "minute": 30}
